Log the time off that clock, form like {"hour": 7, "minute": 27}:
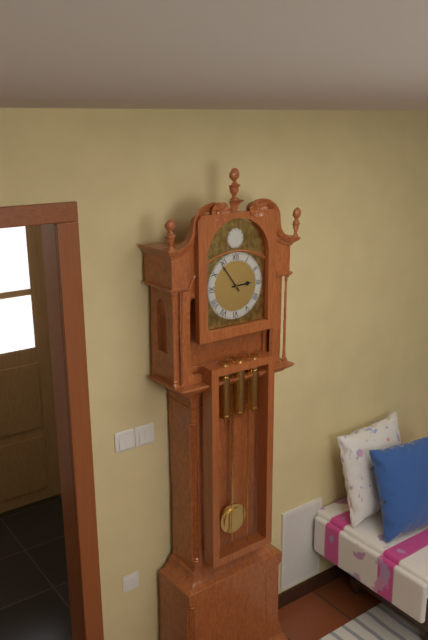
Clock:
{"hour": 2, "minute": 54}
